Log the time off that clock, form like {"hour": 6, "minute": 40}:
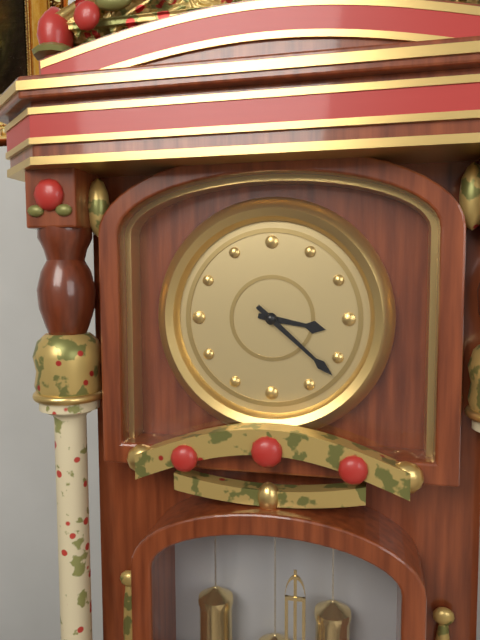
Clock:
{"hour": 3, "minute": 22}
